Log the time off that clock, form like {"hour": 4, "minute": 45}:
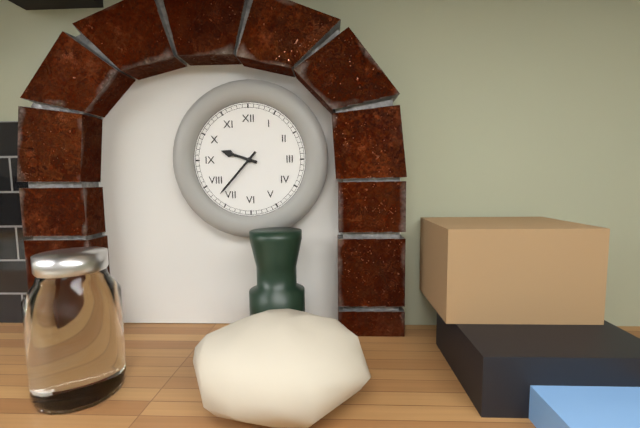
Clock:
{"hour": 9, "minute": 37}
